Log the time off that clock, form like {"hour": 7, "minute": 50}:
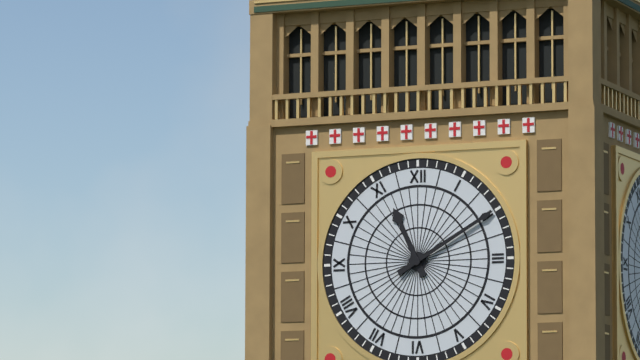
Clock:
{"hour": 11, "minute": 10}
